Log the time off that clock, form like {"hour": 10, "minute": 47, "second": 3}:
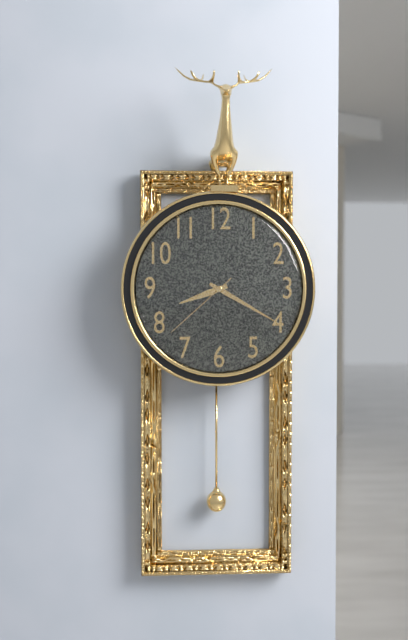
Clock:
{"hour": 8, "minute": 20, "second": 38}
